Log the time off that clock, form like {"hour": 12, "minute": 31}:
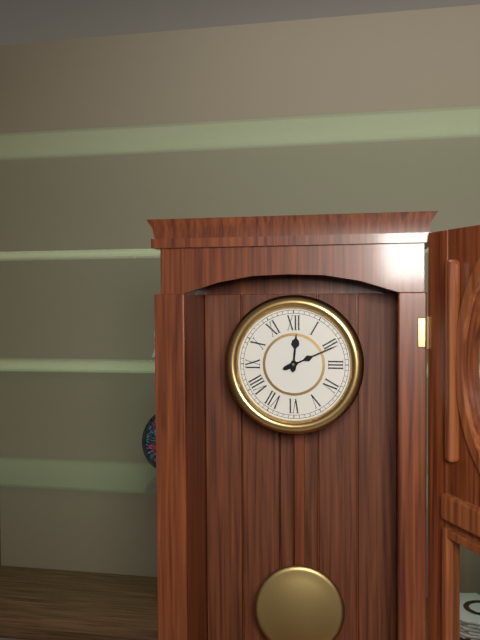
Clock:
{"hour": 12, "minute": 11}
